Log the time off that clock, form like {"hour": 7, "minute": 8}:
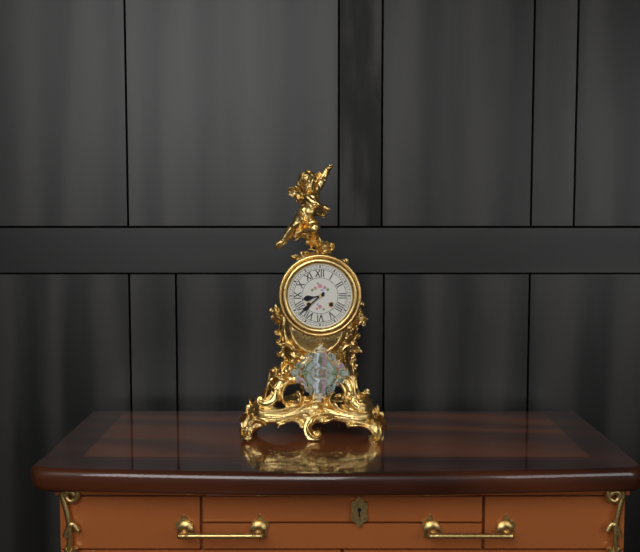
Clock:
{"hour": 8, "minute": 38}
